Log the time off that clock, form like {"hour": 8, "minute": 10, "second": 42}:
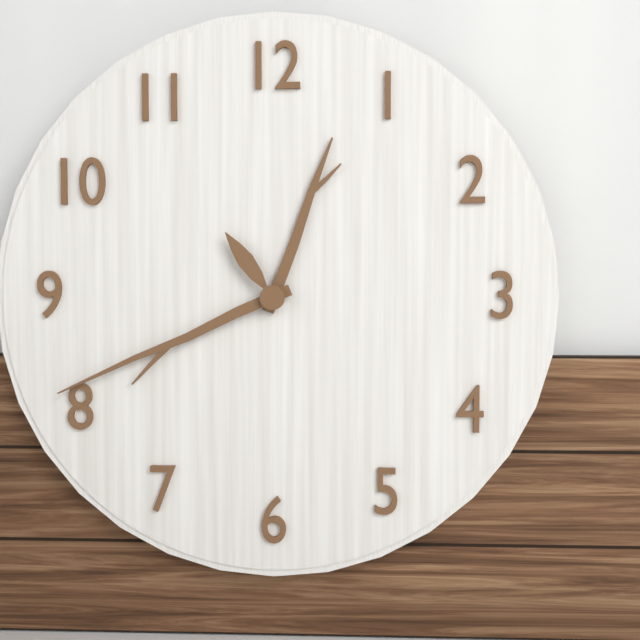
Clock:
{"hour": 12, "minute": 41, "second": 54}
